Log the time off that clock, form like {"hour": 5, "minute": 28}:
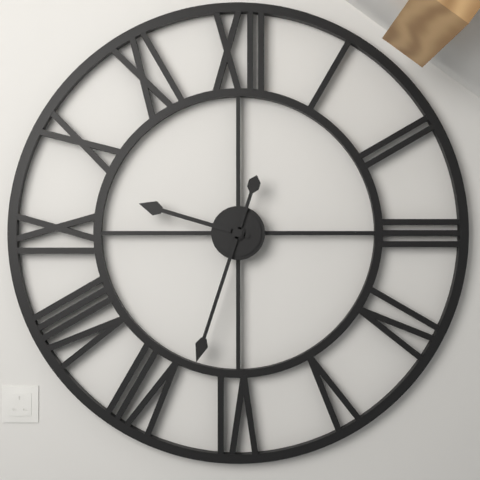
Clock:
{"hour": 9, "minute": 33}
